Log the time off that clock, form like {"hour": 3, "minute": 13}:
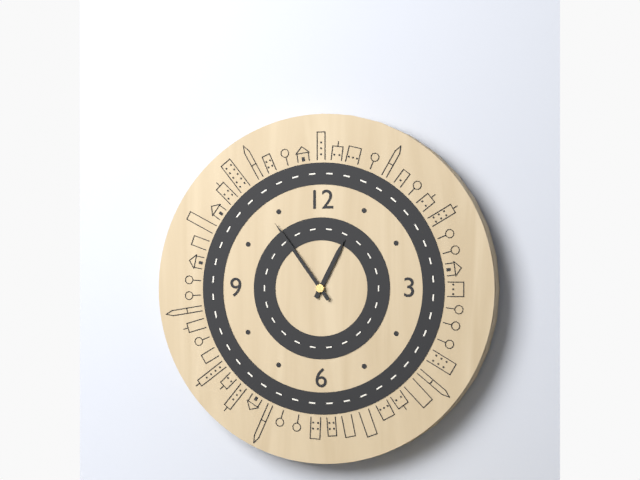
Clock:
{"hour": 12, "minute": 54}
